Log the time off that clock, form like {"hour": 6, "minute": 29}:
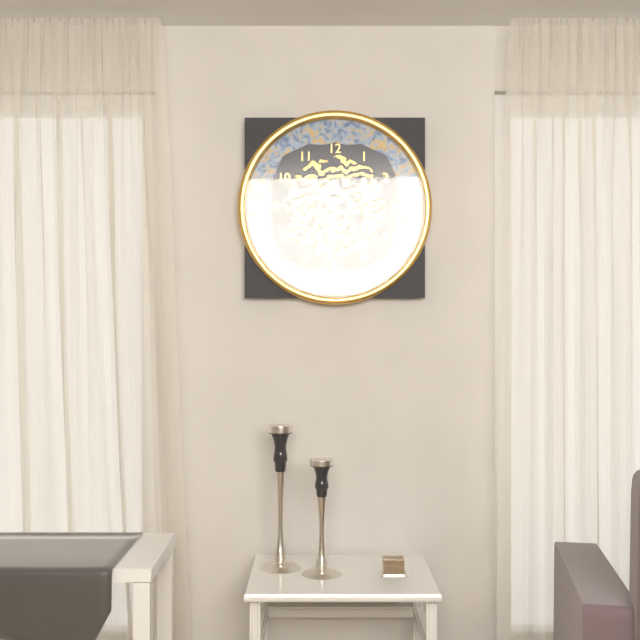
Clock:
{"hour": 10, "minute": 31}
